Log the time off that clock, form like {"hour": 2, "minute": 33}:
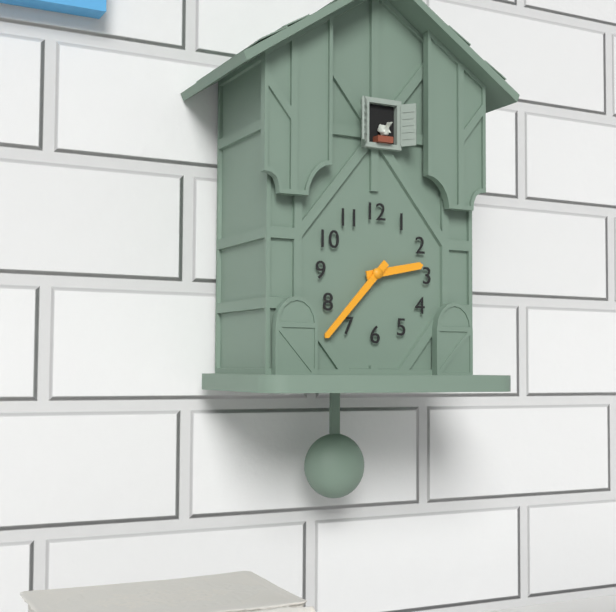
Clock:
{"hour": 2, "minute": 37}
